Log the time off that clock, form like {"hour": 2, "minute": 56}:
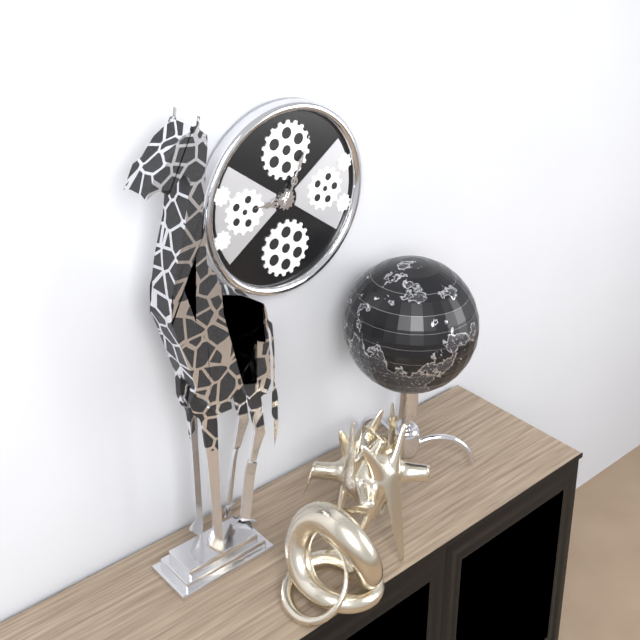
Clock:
{"hour": 9, "minute": 4}
